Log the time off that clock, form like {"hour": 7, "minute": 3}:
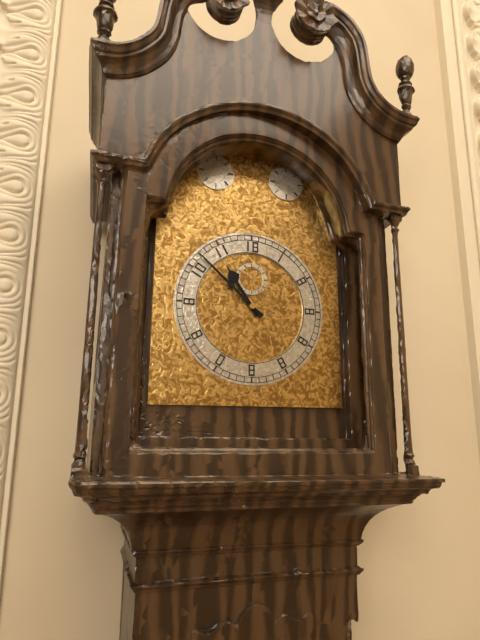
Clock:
{"hour": 10, "minute": 52}
